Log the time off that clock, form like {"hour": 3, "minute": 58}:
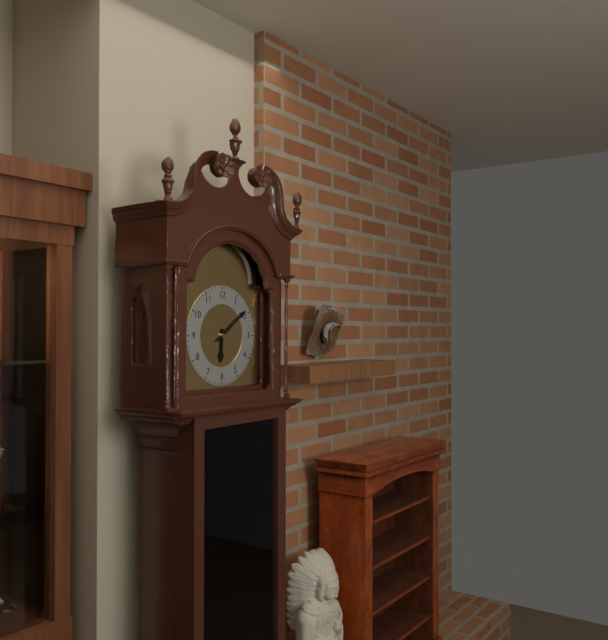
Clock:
{"hour": 6, "minute": 9}
